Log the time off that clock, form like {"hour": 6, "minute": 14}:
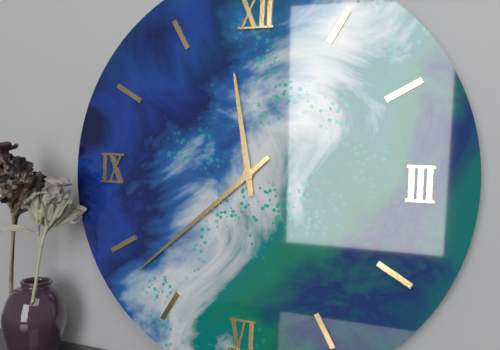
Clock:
{"hour": 11, "minute": 38}
